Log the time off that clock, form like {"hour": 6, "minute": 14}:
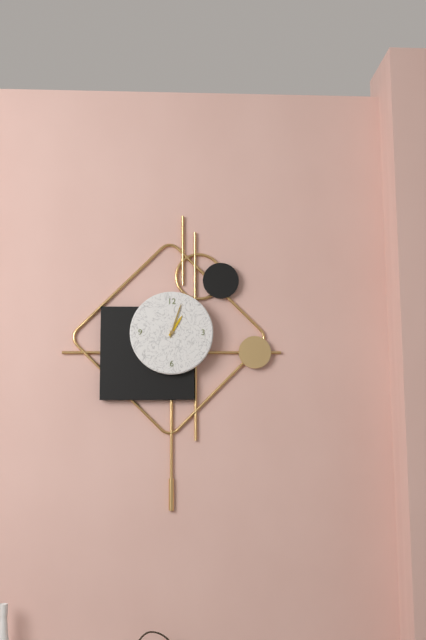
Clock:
{"hour": 1, "minute": 3}
